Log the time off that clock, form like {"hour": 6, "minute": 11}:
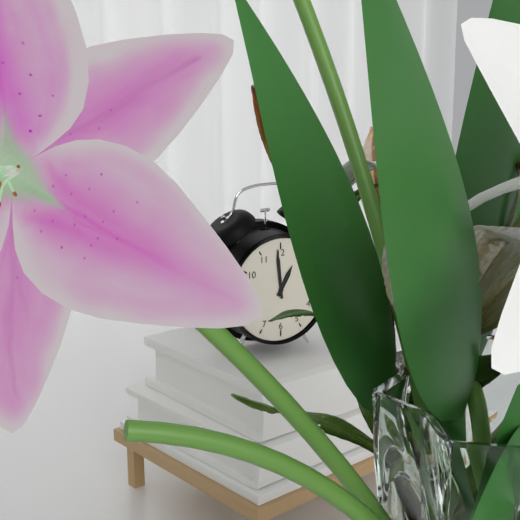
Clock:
{"hour": 12, "minute": 59}
